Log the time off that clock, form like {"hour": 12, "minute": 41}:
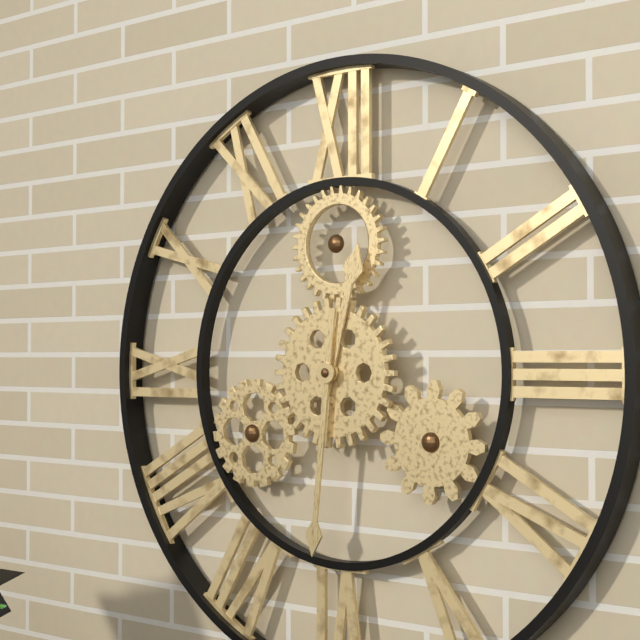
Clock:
{"hour": 12, "minute": 31}
